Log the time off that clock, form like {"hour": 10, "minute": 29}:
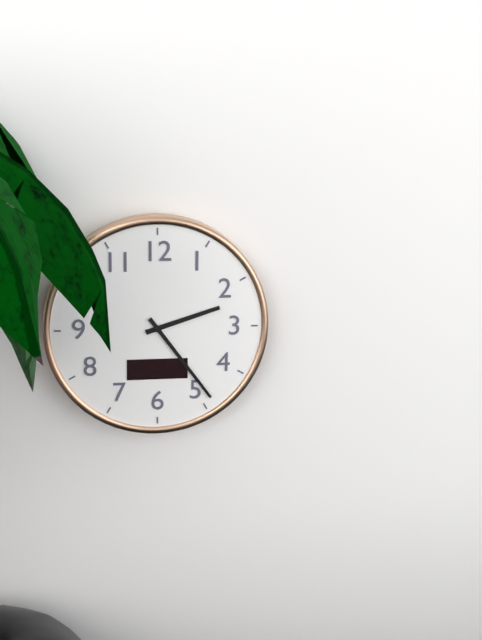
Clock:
{"hour": 2, "minute": 24}
